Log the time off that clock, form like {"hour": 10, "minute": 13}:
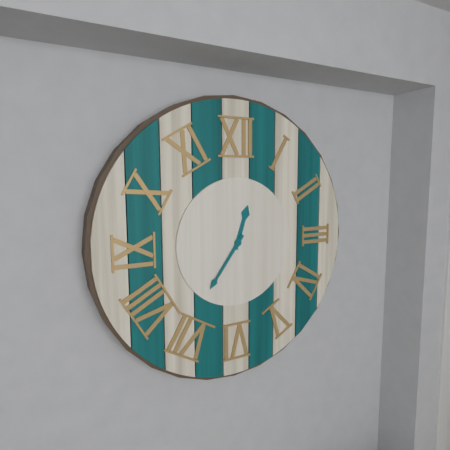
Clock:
{"hour": 12, "minute": 36}
